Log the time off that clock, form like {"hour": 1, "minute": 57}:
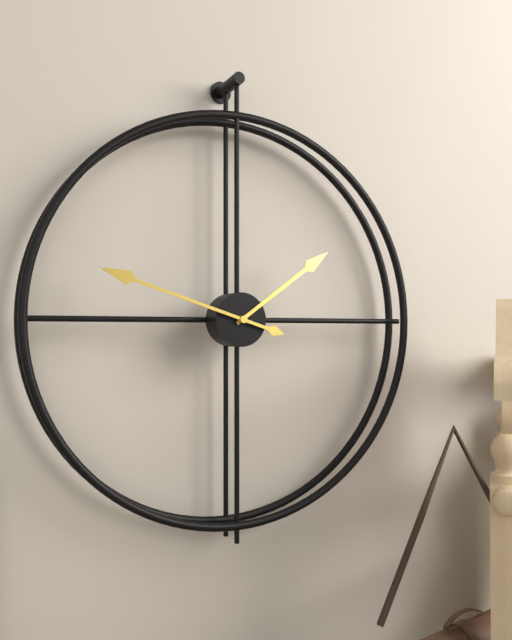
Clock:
{"hour": 1, "minute": 48}
